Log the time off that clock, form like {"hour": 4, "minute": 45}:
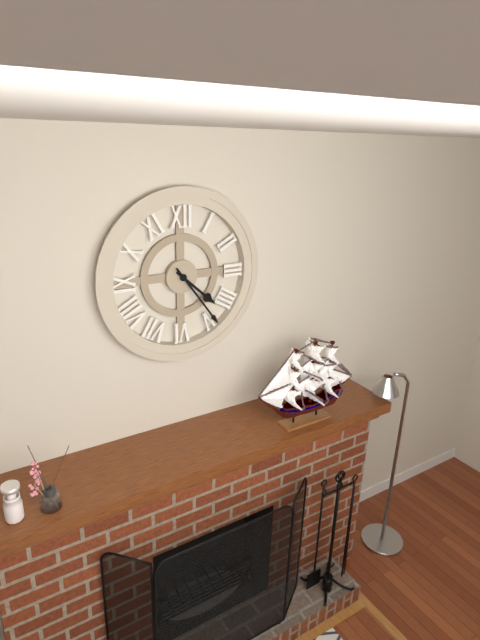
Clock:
{"hour": 4, "minute": 24}
